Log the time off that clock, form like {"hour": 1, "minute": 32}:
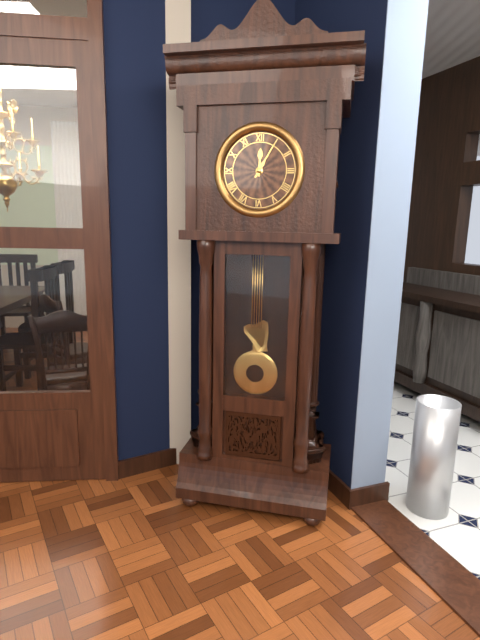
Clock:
{"hour": 12, "minute": 5}
